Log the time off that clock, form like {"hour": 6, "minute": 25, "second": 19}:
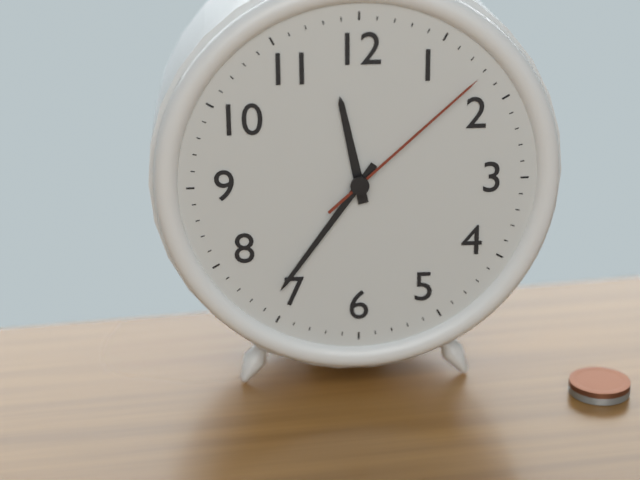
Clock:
{"hour": 11, "minute": 36, "second": 8}
